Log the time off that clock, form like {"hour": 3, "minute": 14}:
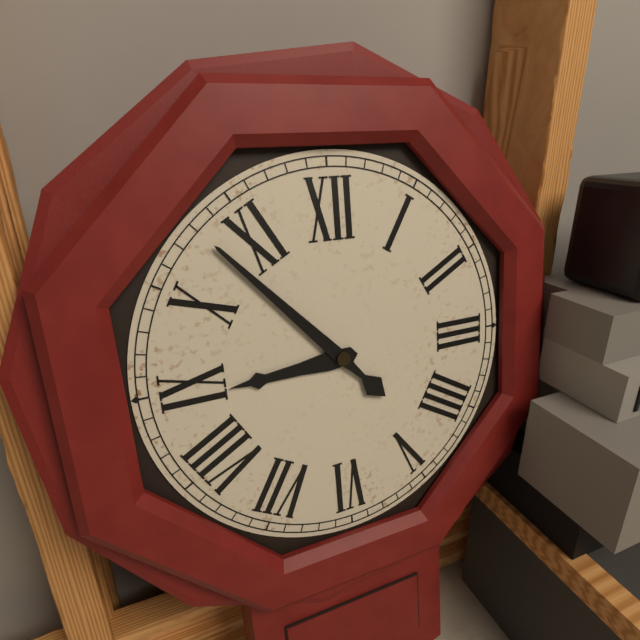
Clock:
{"hour": 8, "minute": 53}
